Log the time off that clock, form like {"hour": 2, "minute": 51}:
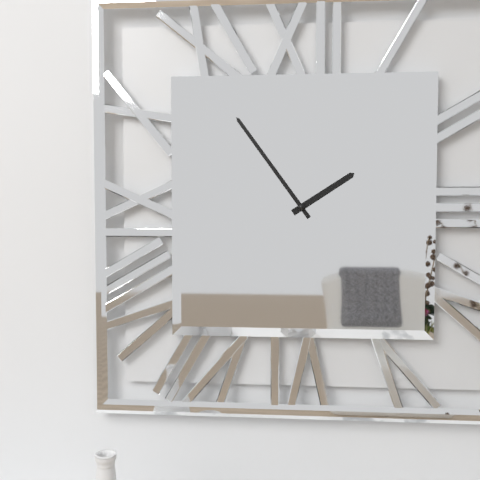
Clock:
{"hour": 1, "minute": 54}
